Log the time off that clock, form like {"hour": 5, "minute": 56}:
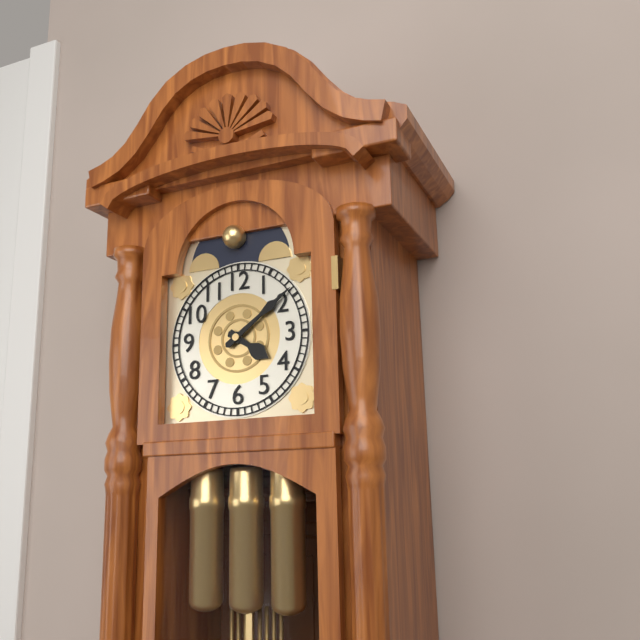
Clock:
{"hour": 4, "minute": 9}
